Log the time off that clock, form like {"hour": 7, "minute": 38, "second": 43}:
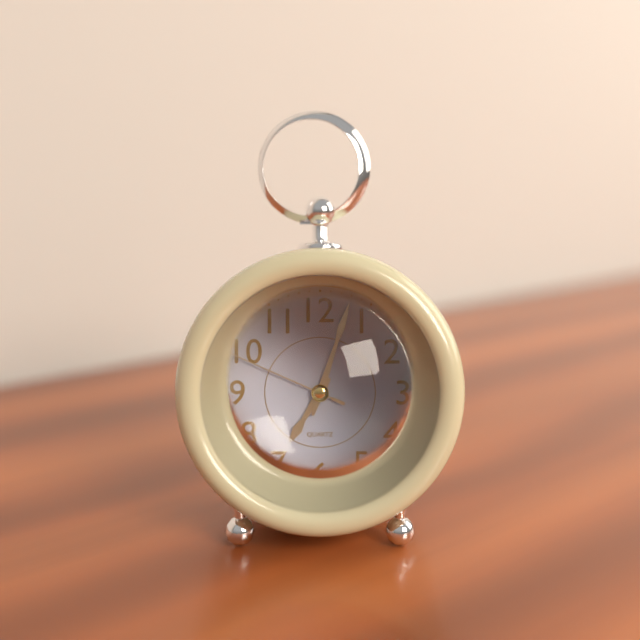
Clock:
{"hour": 7, "minute": 3, "second": 49}
